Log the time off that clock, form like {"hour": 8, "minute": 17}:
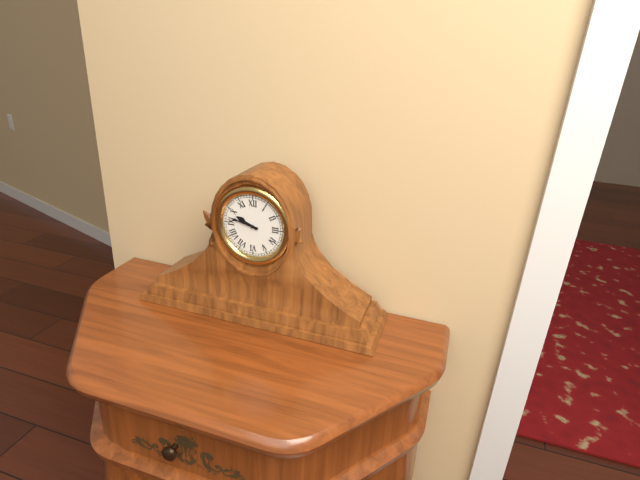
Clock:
{"hour": 9, "minute": 47}
